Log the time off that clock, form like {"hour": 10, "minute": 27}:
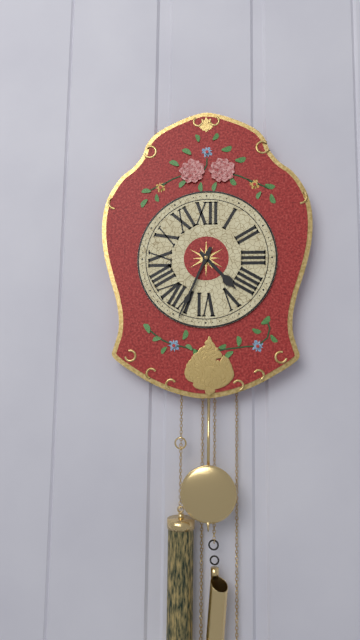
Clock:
{"hour": 4, "minute": 34}
